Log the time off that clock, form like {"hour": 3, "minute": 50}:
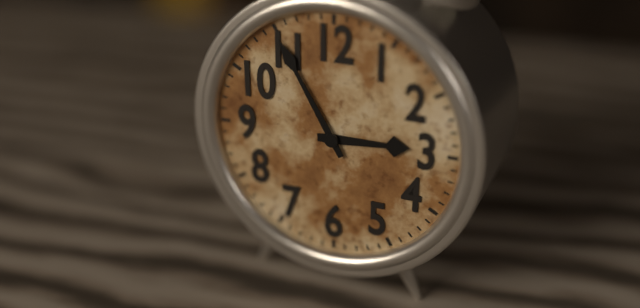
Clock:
{"hour": 2, "minute": 55}
